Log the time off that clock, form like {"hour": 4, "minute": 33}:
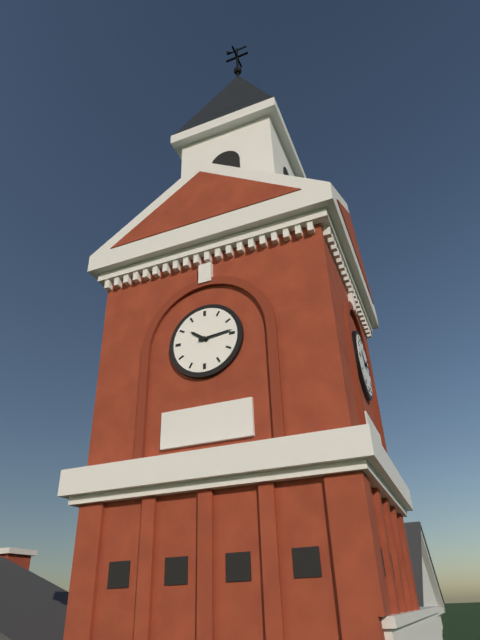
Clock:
{"hour": 10, "minute": 14}
